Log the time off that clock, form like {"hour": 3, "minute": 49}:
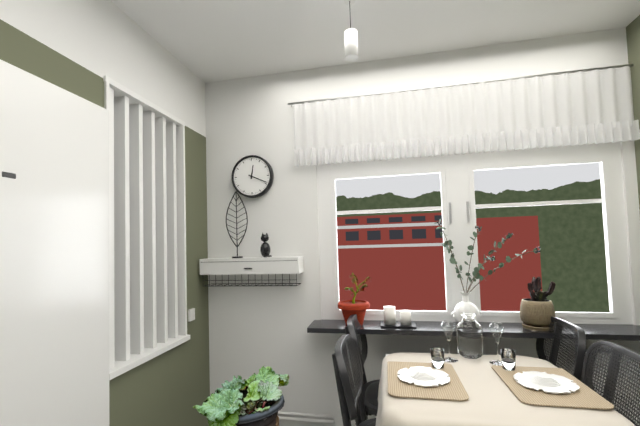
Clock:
{"hour": 12, "minute": 19}
